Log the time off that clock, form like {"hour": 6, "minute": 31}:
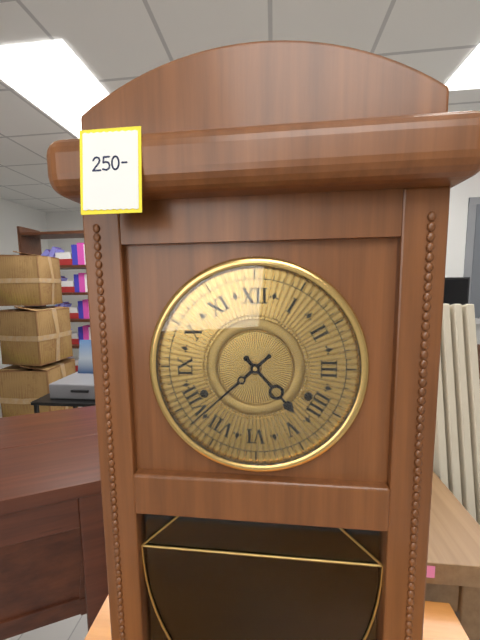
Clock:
{"hour": 4, "minute": 38}
